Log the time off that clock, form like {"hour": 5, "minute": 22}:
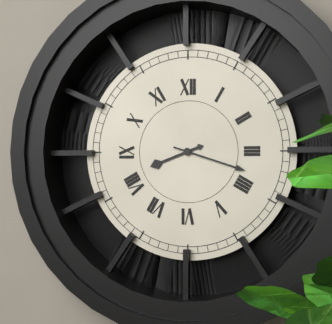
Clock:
{"hour": 8, "minute": 18}
